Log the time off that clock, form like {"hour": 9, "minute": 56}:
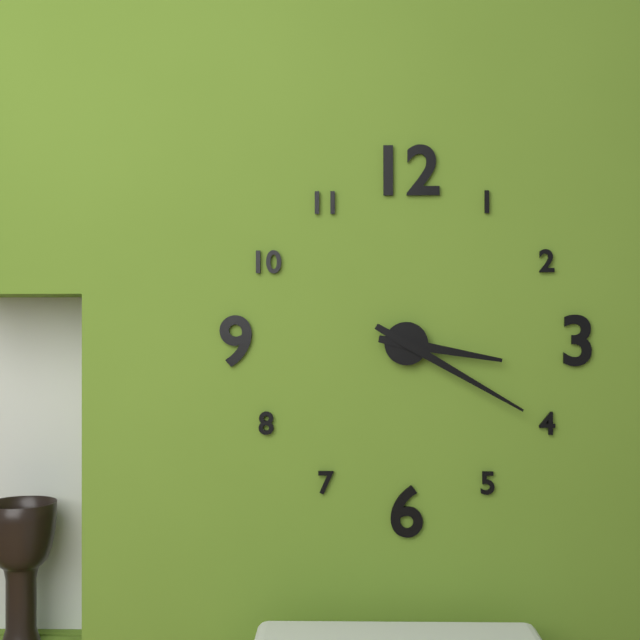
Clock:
{"hour": 3, "minute": 20}
